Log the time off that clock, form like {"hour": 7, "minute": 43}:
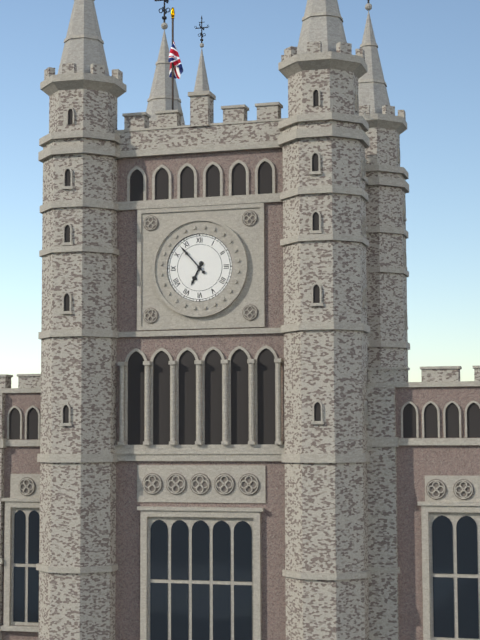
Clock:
{"hour": 6, "minute": 53}
